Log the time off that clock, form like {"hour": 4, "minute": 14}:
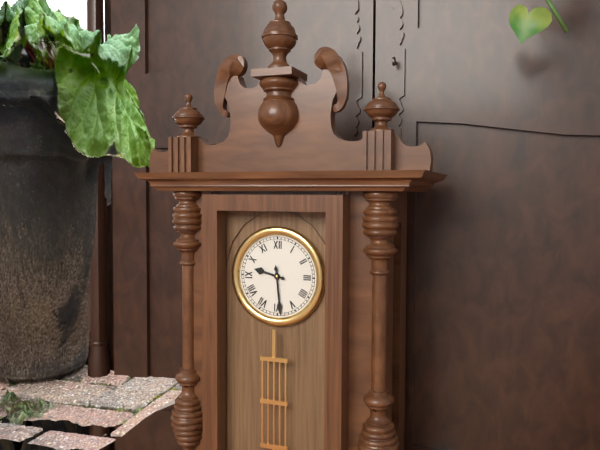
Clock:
{"hour": 9, "minute": 29}
